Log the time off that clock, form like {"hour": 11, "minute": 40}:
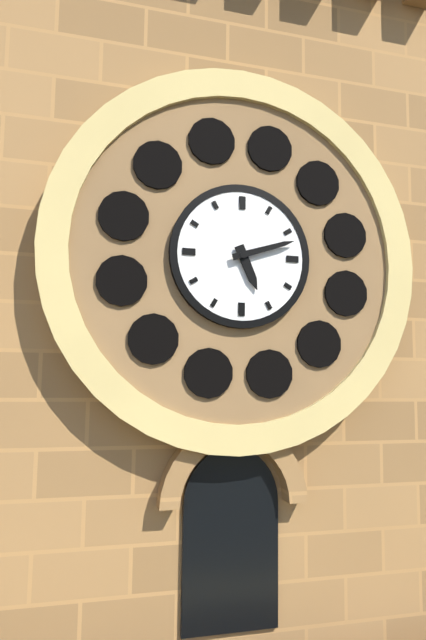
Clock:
{"hour": 5, "minute": 12}
